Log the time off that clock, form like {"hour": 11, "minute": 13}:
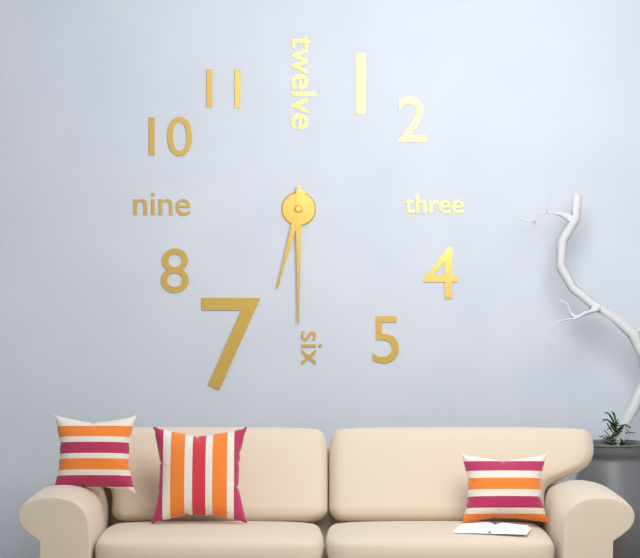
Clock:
{"hour": 6, "minute": 30}
